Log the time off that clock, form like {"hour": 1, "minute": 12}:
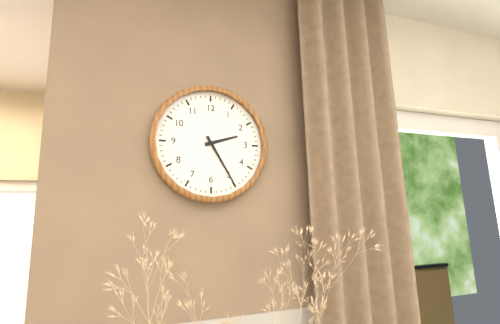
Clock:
{"hour": 2, "minute": 25}
